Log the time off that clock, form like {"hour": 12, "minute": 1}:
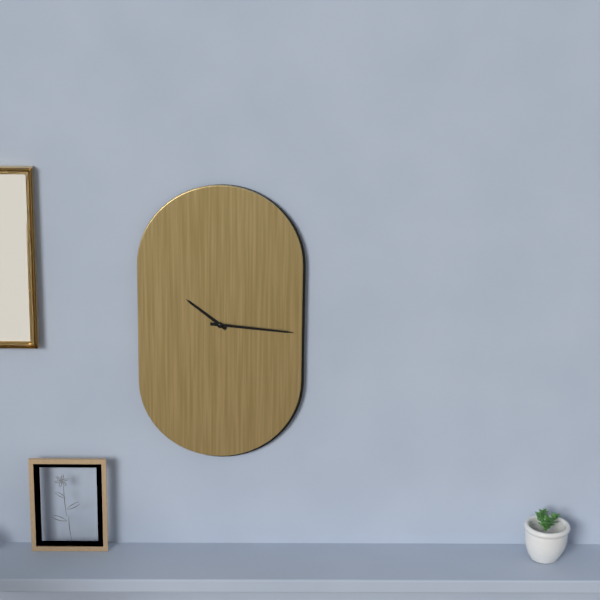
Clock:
{"hour": 10, "minute": 16}
